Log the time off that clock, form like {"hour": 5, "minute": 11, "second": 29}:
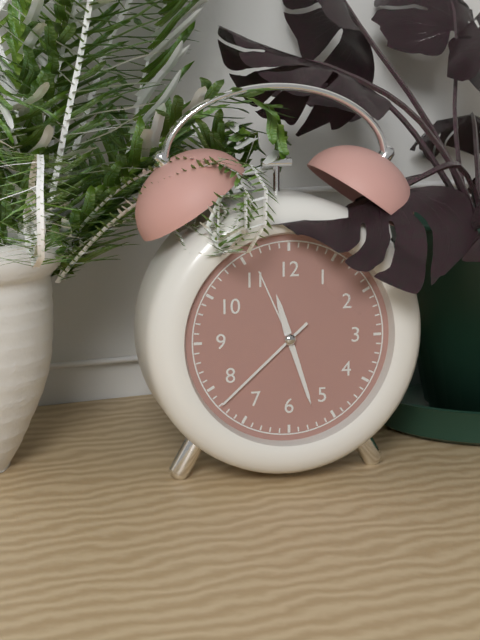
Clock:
{"hour": 11, "minute": 27, "second": 38}
